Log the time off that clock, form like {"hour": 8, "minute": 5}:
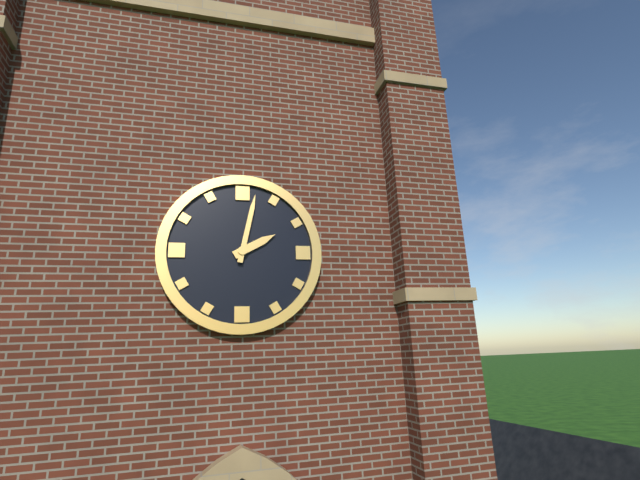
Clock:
{"hour": 2, "minute": 2}
